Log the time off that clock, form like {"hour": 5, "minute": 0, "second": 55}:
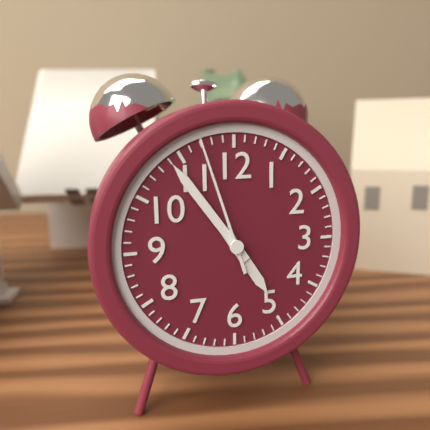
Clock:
{"hour": 4, "minute": 54, "second": 57}
